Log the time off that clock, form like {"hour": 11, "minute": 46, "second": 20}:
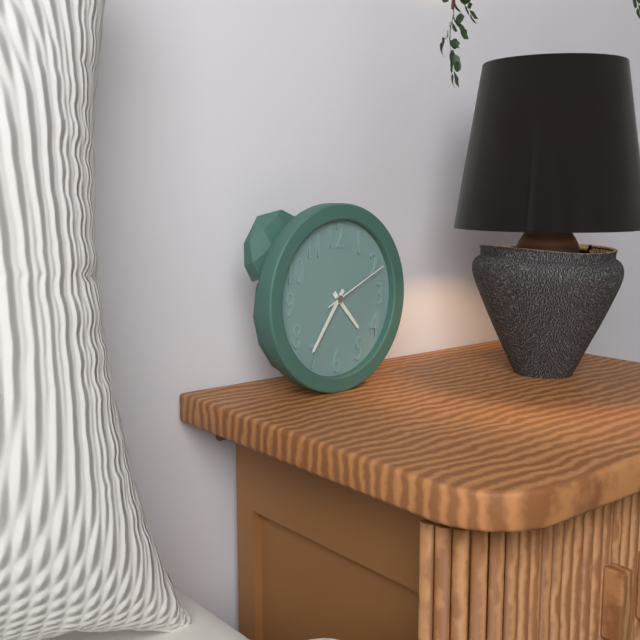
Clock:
{"hour": 4, "minute": 36, "second": 11}
